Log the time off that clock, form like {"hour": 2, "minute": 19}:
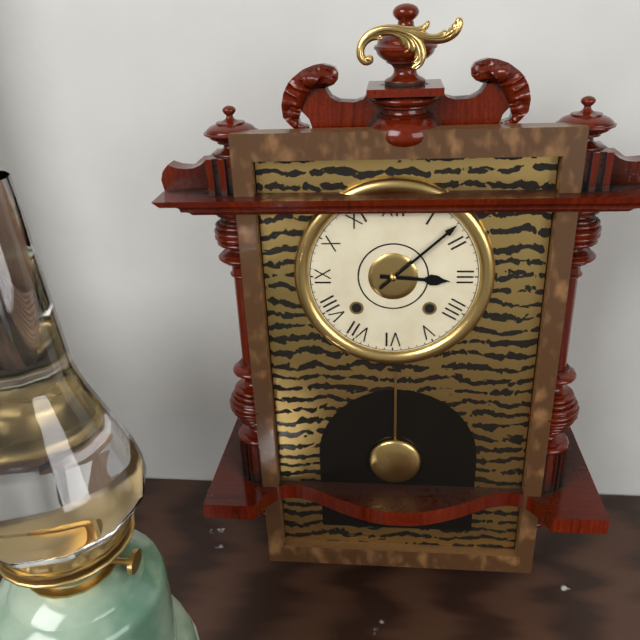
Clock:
{"hour": 3, "minute": 8}
